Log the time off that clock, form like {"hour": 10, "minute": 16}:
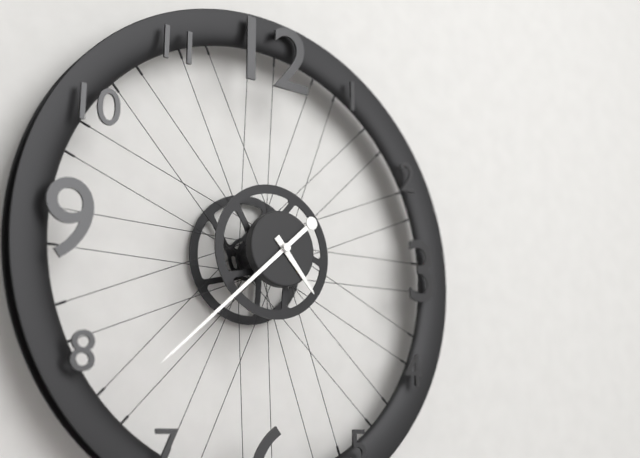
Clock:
{"hour": 4, "minute": 38}
